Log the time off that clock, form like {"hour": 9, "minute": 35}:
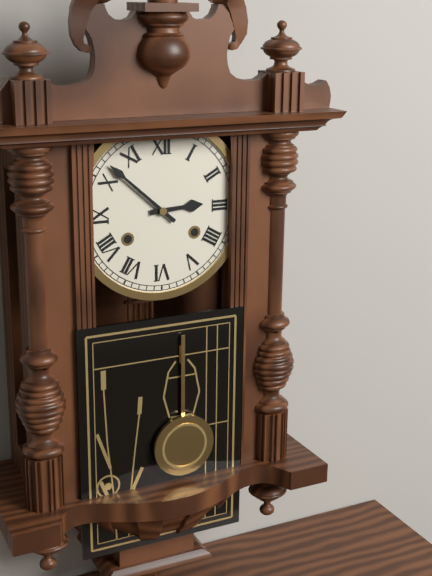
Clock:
{"hour": 2, "minute": 52}
